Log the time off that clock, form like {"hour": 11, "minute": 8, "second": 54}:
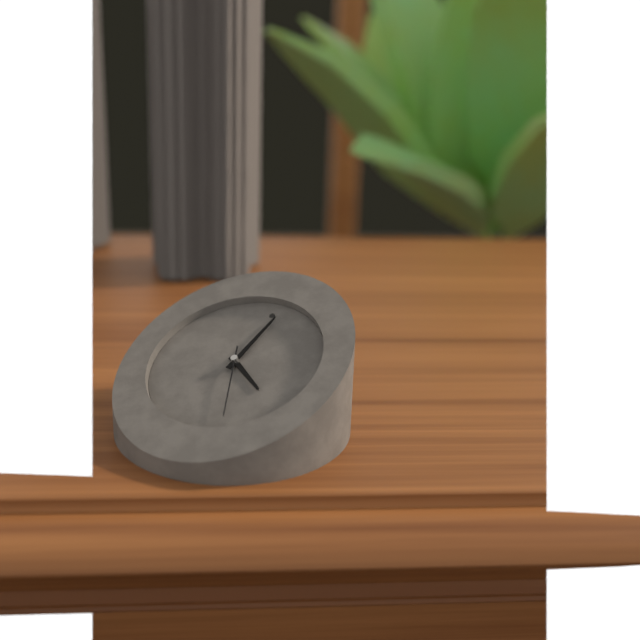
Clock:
{"hour": 4, "minute": 1, "second": 26}
